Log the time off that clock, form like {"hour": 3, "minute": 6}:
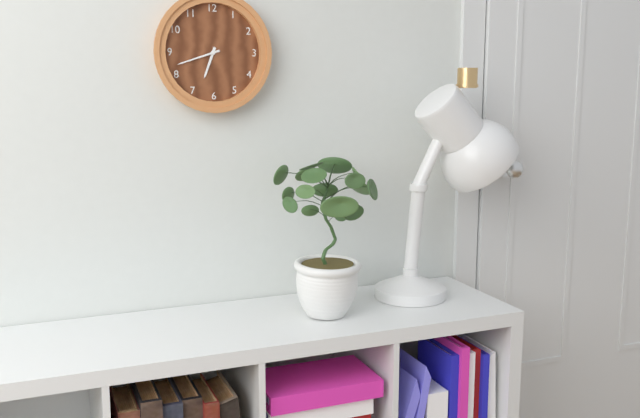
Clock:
{"hour": 6, "minute": 42}
